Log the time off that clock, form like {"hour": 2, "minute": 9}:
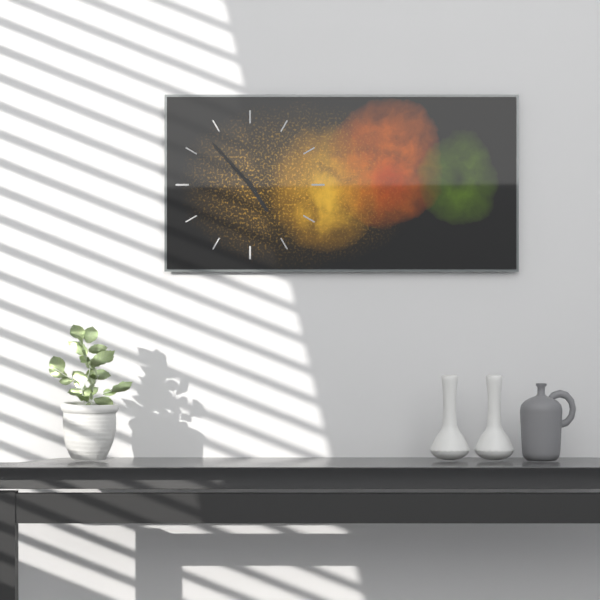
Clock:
{"hour": 4, "minute": 53}
